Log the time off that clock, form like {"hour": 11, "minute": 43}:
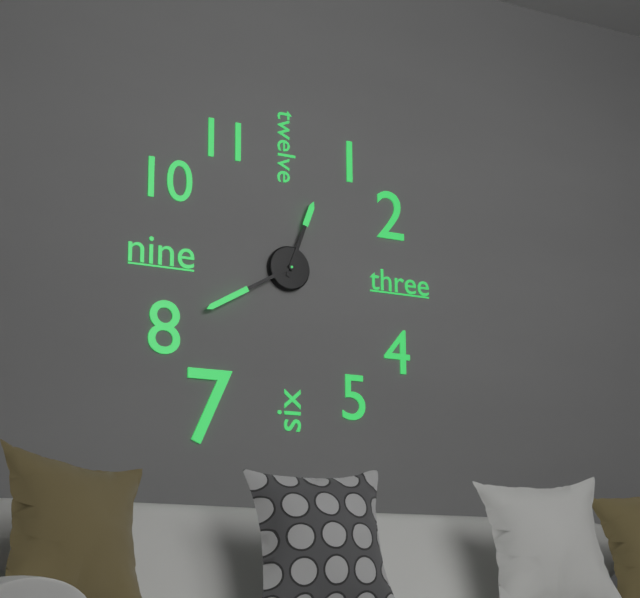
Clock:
{"hour": 12, "minute": 40}
